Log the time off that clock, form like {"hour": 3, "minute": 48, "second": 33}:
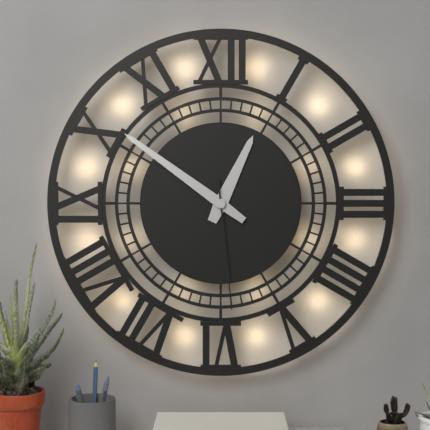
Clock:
{"hour": 12, "minute": 51, "second": 29}
